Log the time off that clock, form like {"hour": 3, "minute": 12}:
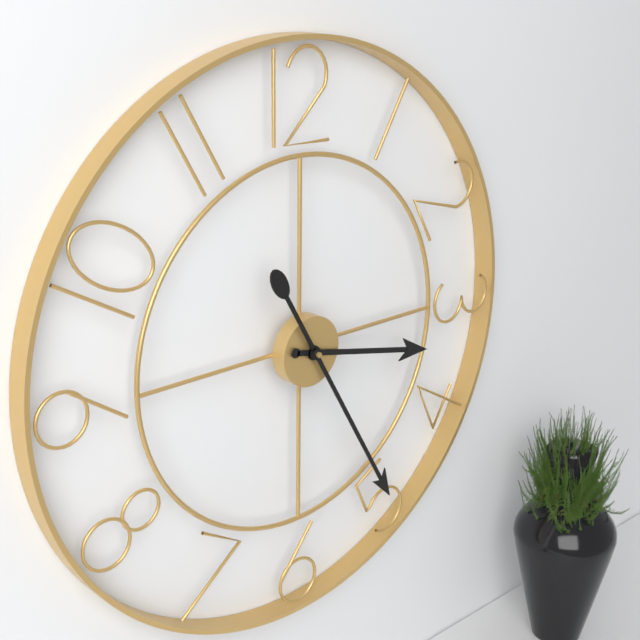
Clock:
{"hour": 3, "minute": 25}
